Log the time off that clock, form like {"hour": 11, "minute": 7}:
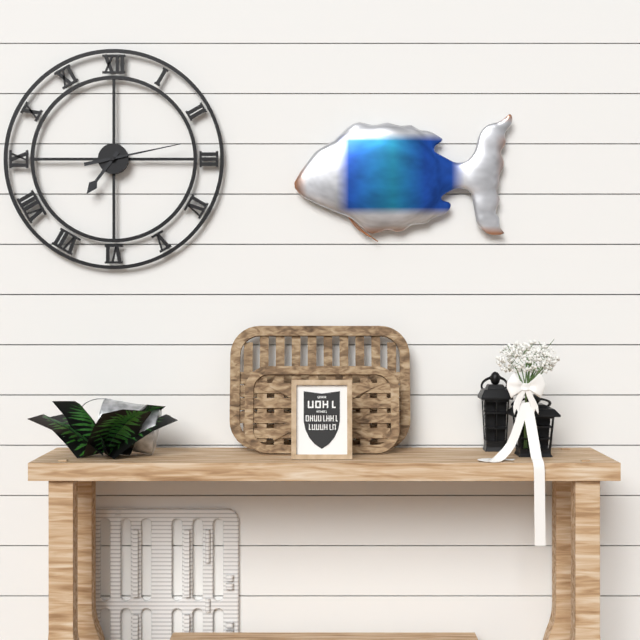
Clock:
{"hour": 7, "minute": 13}
